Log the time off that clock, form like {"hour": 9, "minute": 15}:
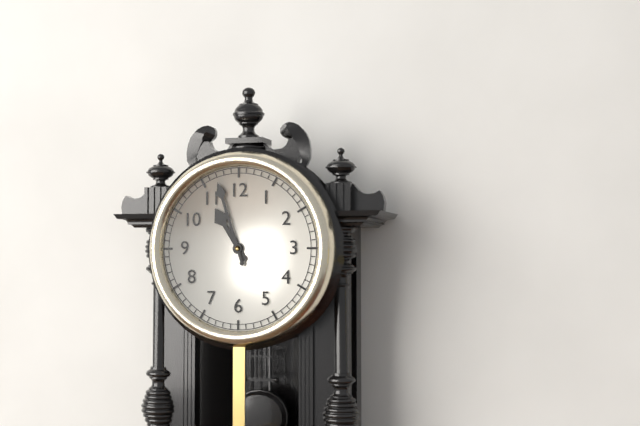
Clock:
{"hour": 10, "minute": 57}
